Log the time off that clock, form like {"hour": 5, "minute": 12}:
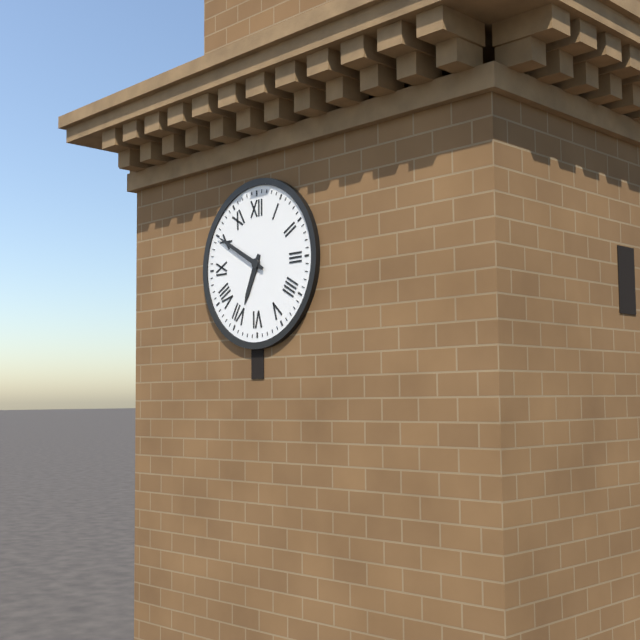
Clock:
{"hour": 6, "minute": 50}
